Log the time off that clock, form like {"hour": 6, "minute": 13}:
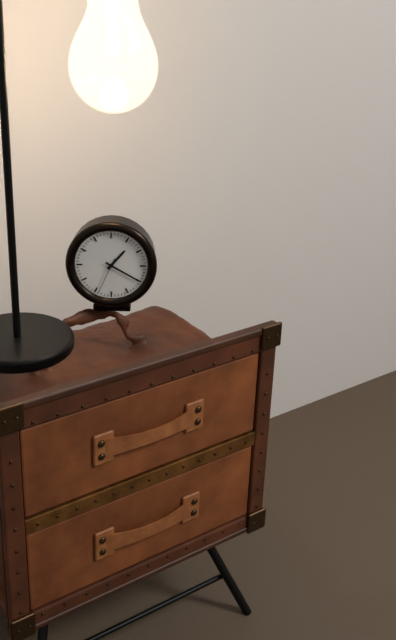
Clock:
{"hour": 1, "minute": 20}
